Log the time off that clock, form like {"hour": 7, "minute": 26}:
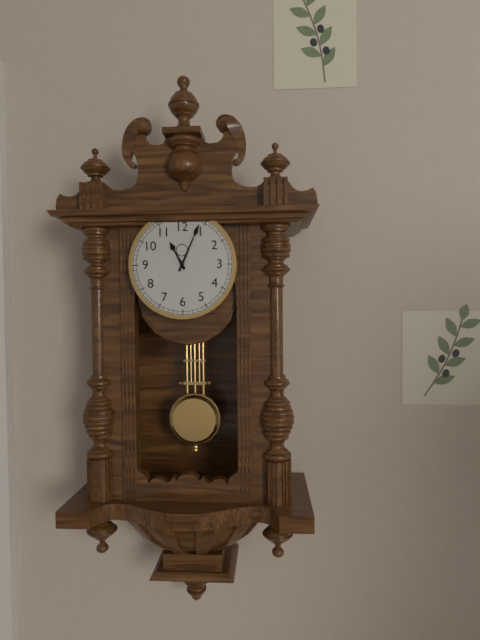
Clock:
{"hour": 11, "minute": 4}
